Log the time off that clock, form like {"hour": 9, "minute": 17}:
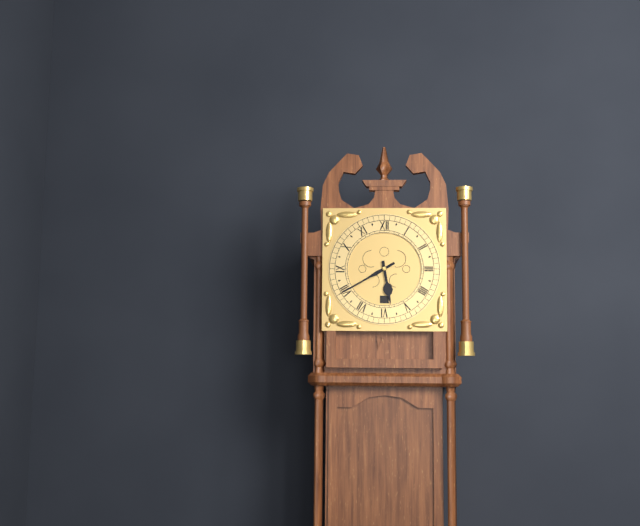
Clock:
{"hour": 5, "minute": 40}
